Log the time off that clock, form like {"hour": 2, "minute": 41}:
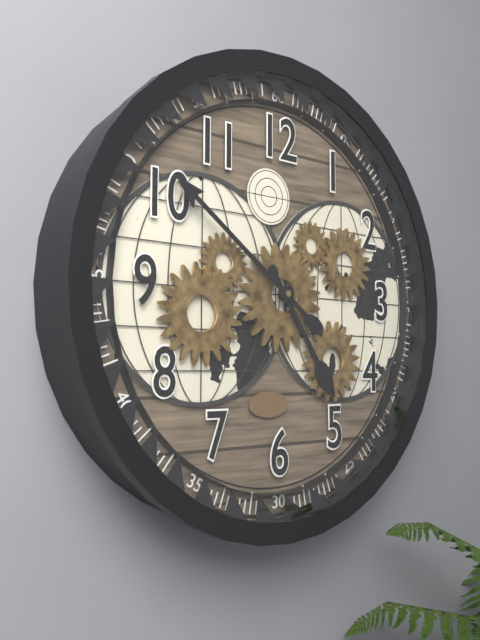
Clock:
{"hour": 4, "minute": 51}
